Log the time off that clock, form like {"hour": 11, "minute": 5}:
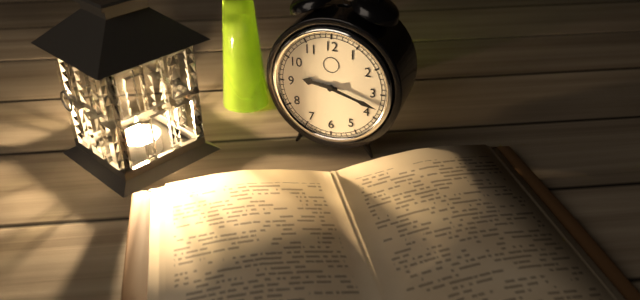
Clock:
{"hour": 9, "minute": 18}
